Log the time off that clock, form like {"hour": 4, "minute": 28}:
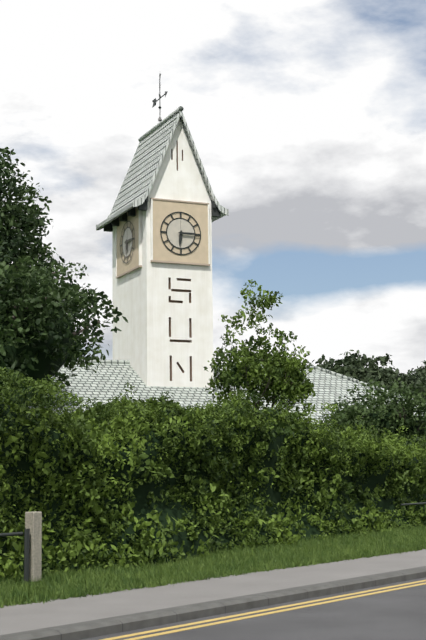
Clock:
{"hour": 6, "minute": 15}
